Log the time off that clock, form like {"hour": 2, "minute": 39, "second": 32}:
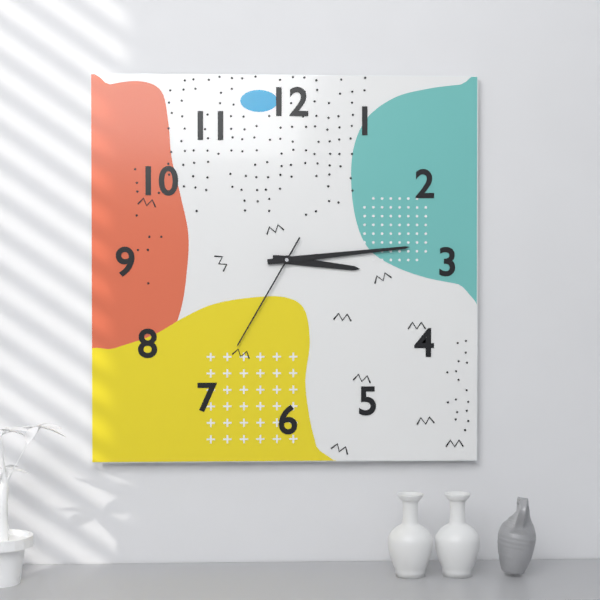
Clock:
{"hour": 3, "minute": 14, "second": 35}
